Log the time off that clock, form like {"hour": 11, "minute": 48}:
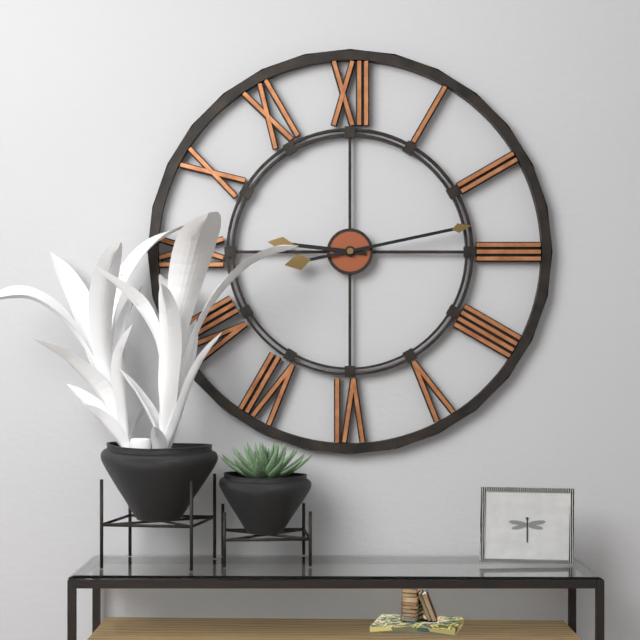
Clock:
{"hour": 9, "minute": 13}
